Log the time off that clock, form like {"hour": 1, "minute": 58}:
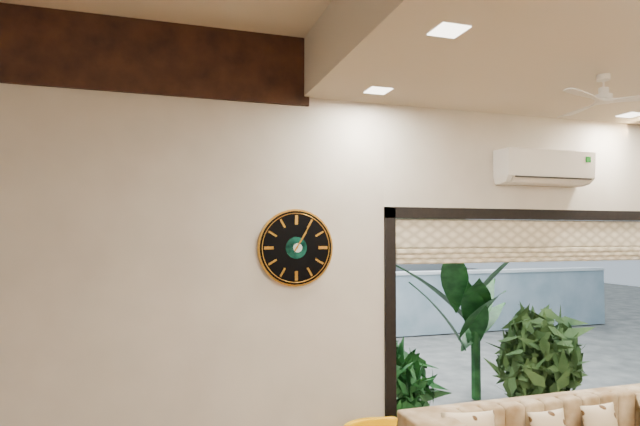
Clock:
{"hour": 1, "minute": 5}
